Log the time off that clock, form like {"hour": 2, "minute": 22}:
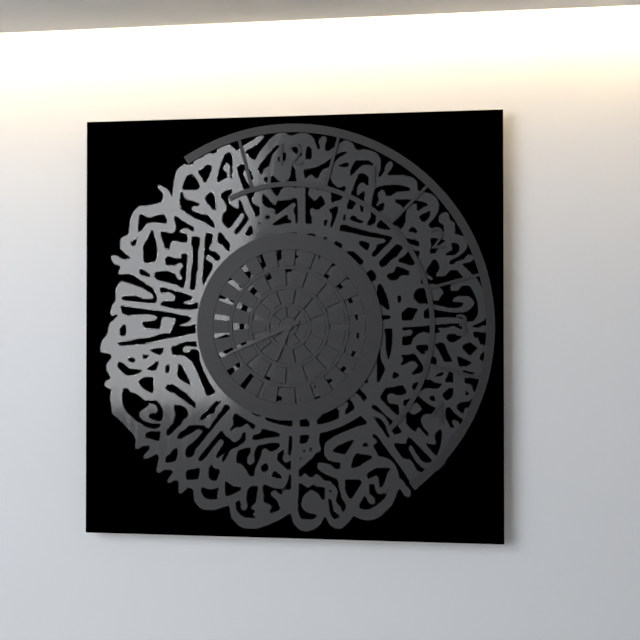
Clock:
{"hour": 6, "minute": 41}
